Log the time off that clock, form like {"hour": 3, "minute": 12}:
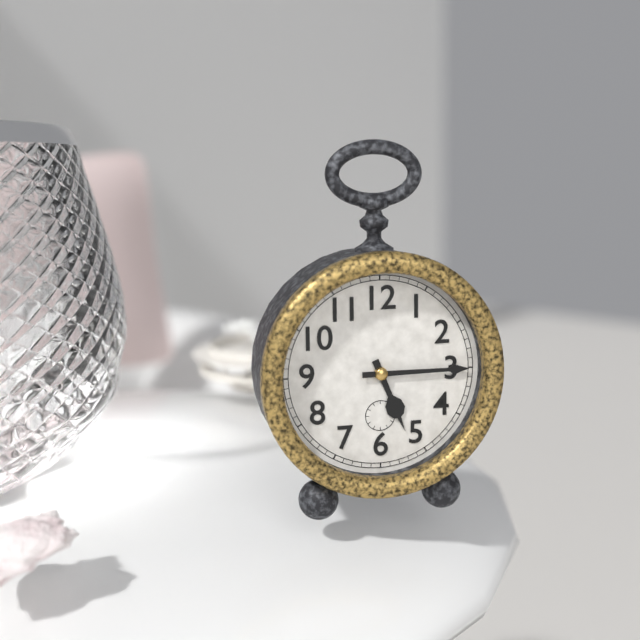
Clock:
{"hour": 5, "minute": 15}
